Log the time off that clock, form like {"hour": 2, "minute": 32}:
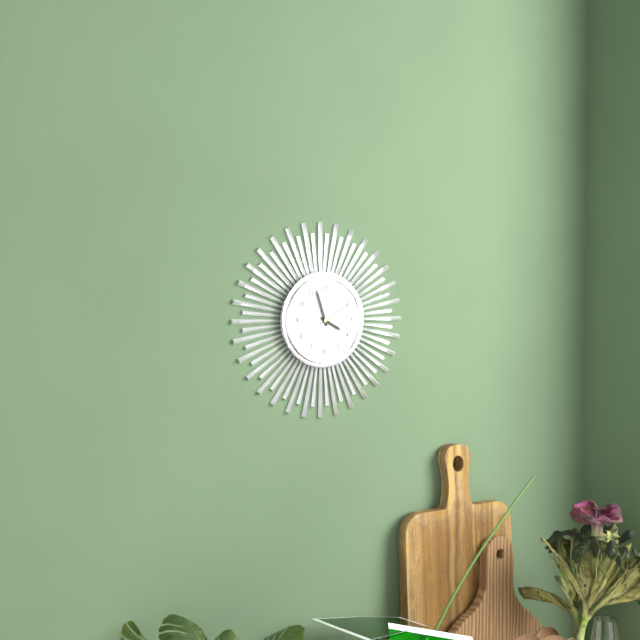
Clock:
{"hour": 3, "minute": 57}
